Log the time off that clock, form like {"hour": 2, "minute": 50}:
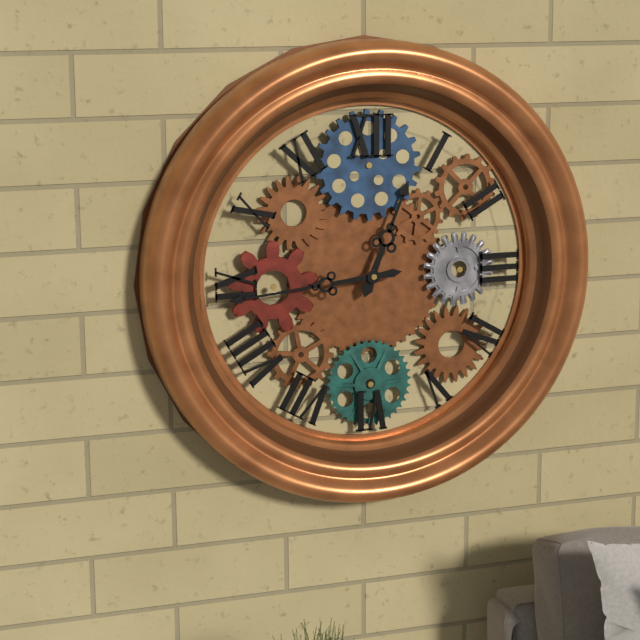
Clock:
{"hour": 12, "minute": 44}
